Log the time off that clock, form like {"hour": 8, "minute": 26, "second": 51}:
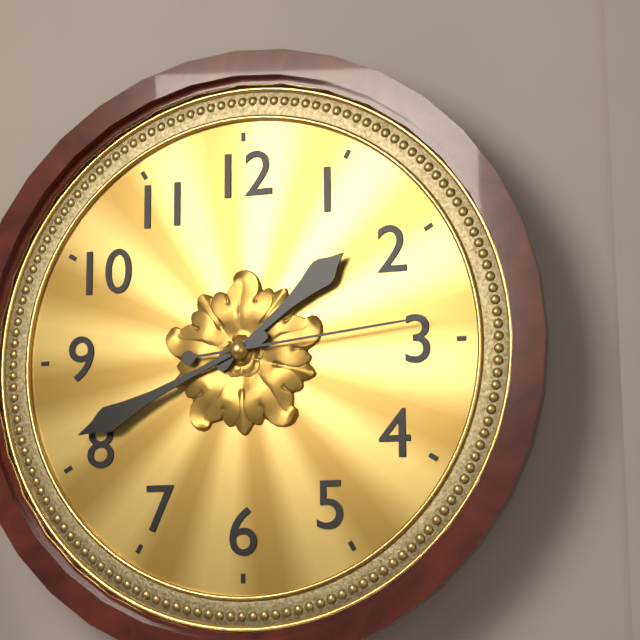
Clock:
{"hour": 1, "minute": 41, "second": 14}
